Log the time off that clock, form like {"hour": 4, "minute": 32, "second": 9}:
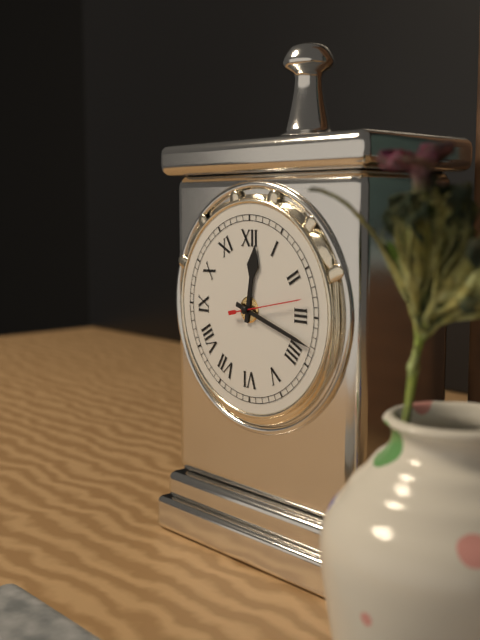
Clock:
{"hour": 12, "minute": 18, "second": 13}
